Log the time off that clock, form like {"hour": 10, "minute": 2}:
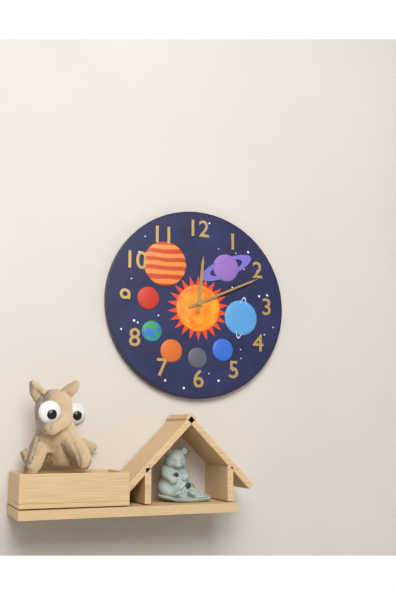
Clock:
{"hour": 12, "minute": 11}
